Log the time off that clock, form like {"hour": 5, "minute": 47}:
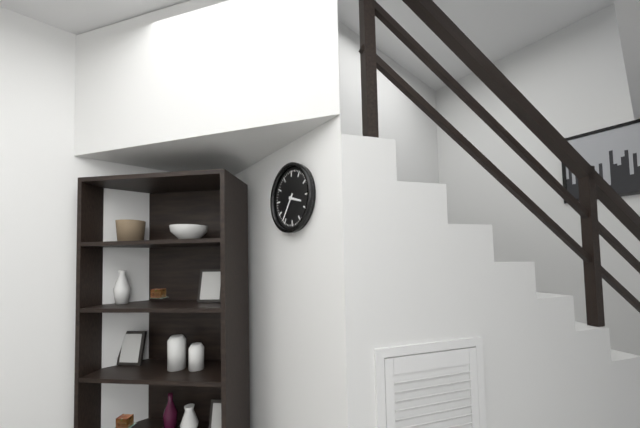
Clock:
{"hour": 3, "minute": 36}
